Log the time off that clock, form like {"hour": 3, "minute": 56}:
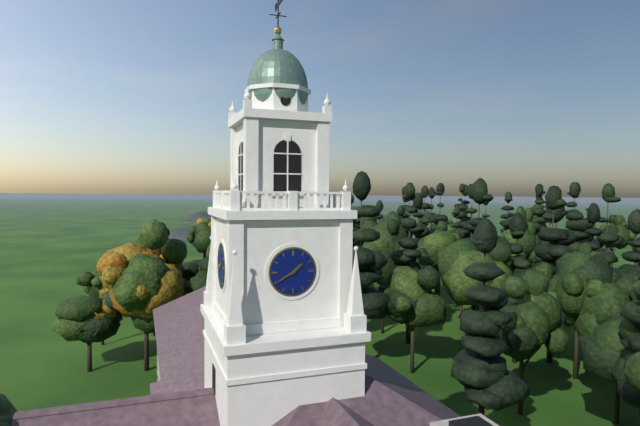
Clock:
{"hour": 1, "minute": 40}
